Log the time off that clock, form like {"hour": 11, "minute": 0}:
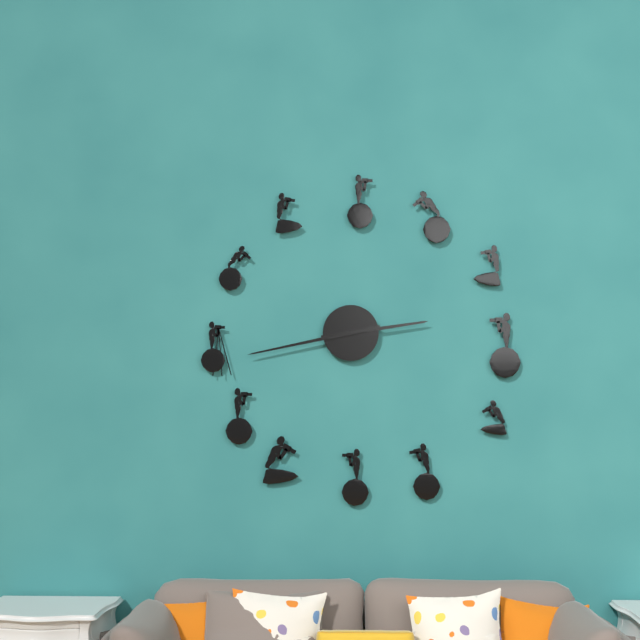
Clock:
{"hour": 2, "minute": 43}
